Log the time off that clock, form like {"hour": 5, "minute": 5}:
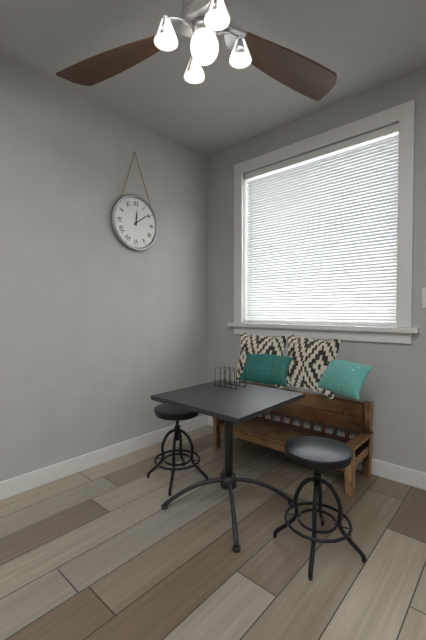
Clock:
{"hour": 12, "minute": 9}
